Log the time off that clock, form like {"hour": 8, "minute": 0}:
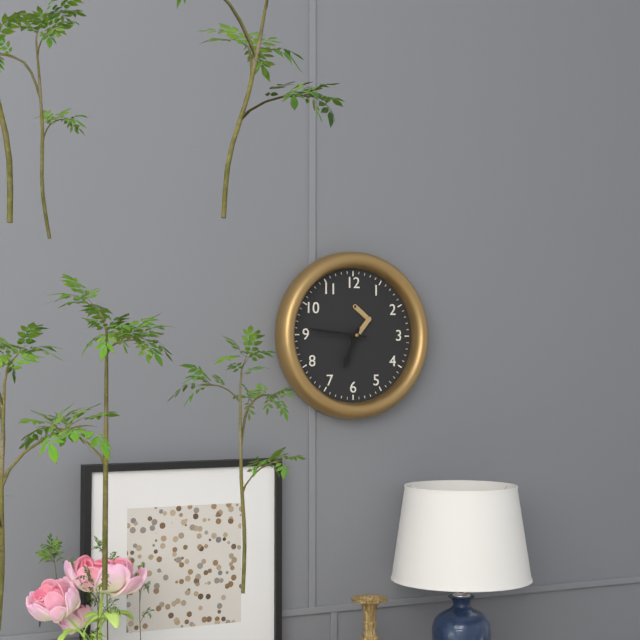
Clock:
{"hour": 6, "minute": 46}
